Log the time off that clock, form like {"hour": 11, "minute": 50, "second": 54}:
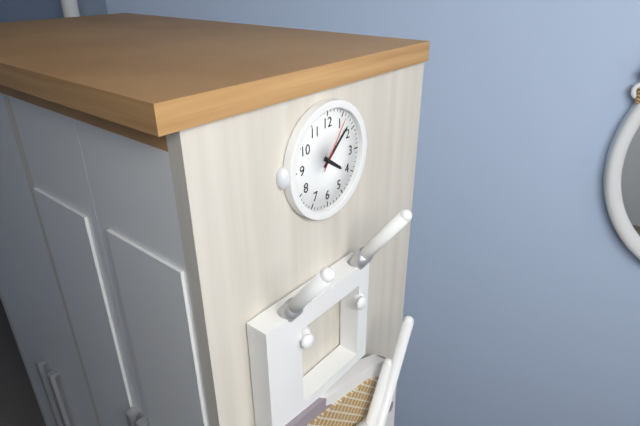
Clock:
{"hour": 4, "minute": 8, "second": 6}
